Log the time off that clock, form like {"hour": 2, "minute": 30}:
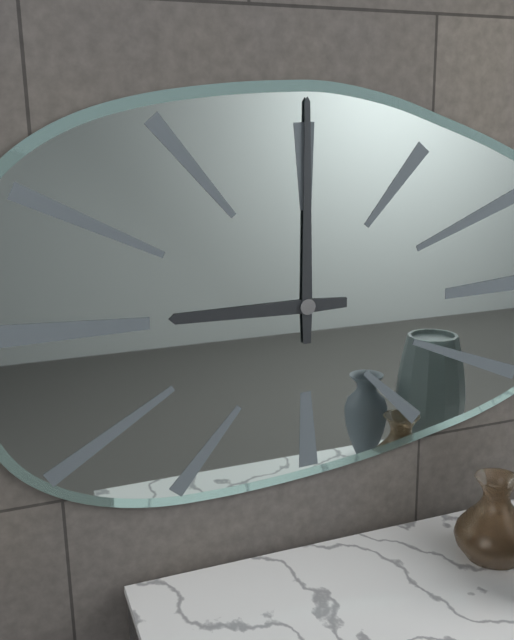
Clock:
{"hour": 9, "minute": 0}
